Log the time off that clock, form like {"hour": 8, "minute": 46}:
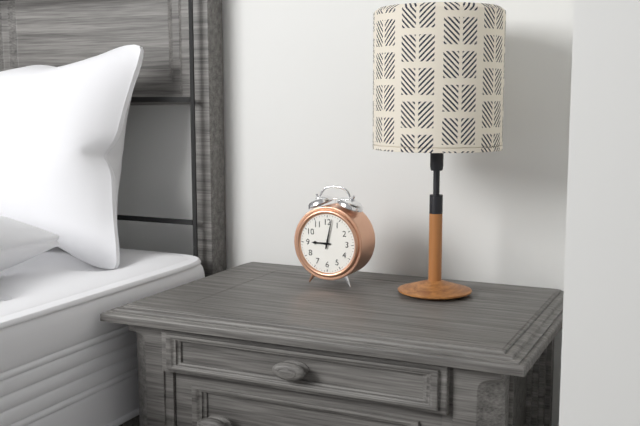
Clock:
{"hour": 9, "minute": 2}
